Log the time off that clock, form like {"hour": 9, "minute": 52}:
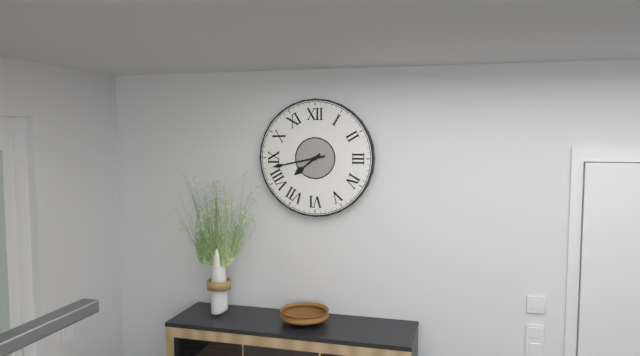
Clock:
{"hour": 7, "minute": 43}
